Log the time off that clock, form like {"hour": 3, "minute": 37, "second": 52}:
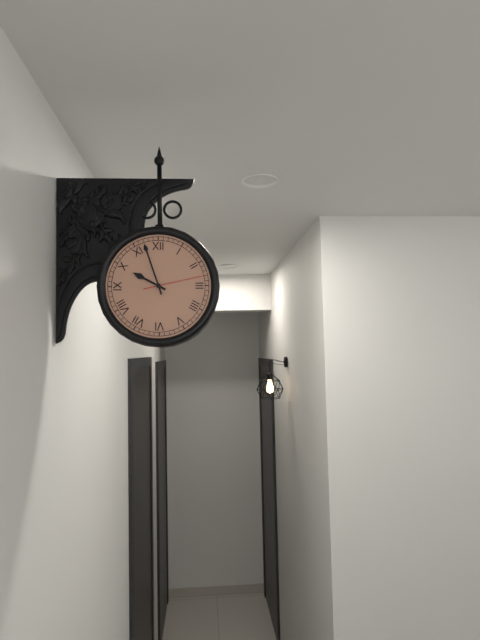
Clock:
{"hour": 9, "minute": 57, "second": 13}
